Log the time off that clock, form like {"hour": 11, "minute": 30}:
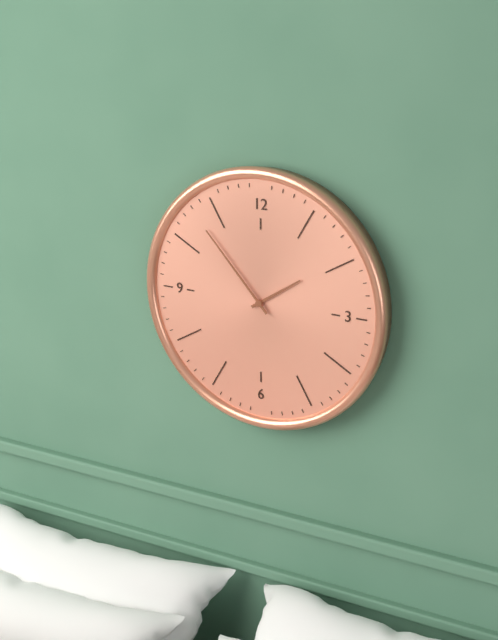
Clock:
{"hour": 1, "minute": 53}
